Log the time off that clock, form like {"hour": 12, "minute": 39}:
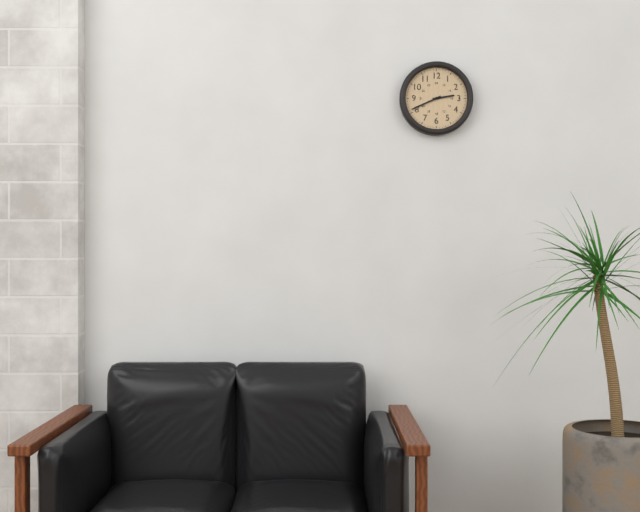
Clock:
{"hour": 2, "minute": 41}
